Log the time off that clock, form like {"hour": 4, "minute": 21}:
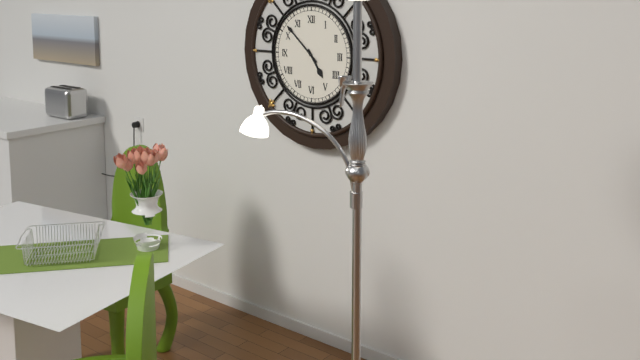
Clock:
{"hour": 4, "minute": 52}
